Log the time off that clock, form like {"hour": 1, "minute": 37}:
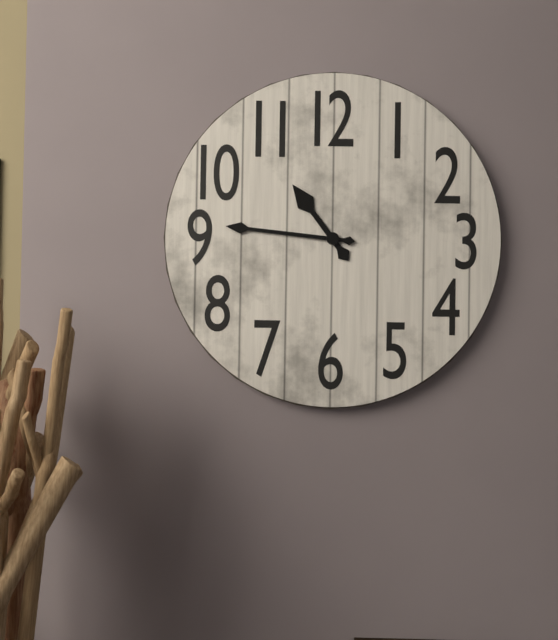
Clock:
{"hour": 10, "minute": 46}
